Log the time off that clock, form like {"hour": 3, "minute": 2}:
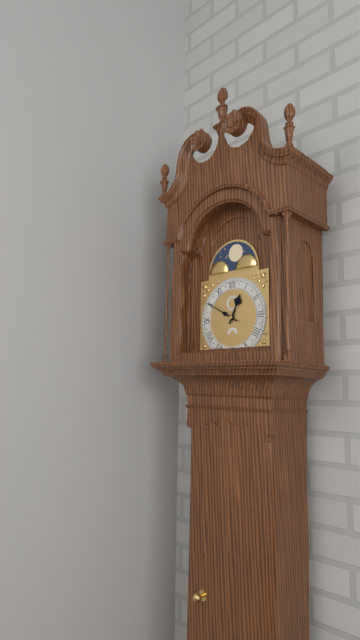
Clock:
{"hour": 12, "minute": 50}
